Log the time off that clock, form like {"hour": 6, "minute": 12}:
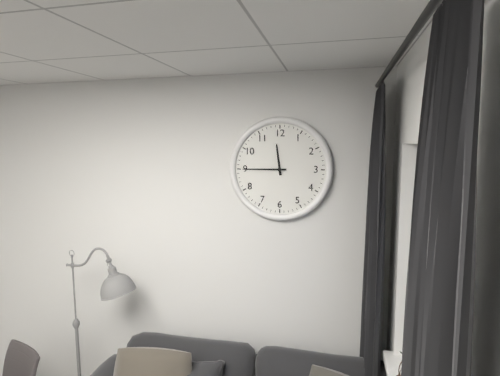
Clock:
{"hour": 11, "minute": 45}
